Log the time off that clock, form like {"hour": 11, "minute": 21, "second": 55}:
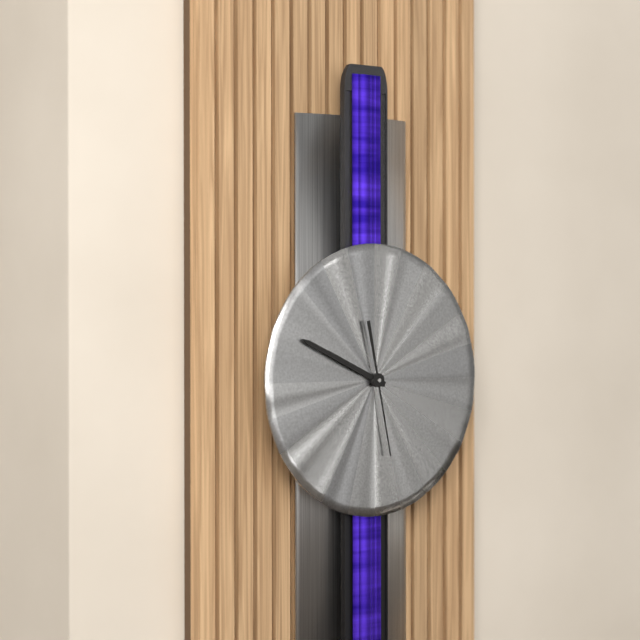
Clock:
{"hour": 9, "minute": 49, "second": 28}
